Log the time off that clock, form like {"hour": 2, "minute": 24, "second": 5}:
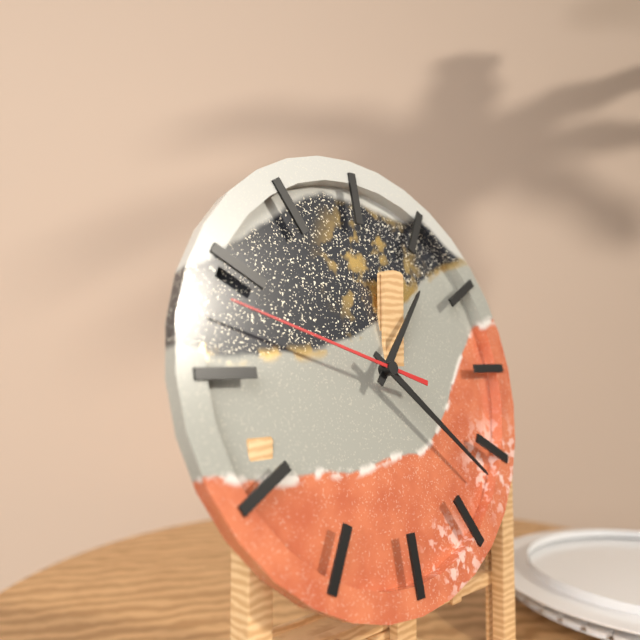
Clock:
{"hour": 1, "minute": 22, "second": 48}
